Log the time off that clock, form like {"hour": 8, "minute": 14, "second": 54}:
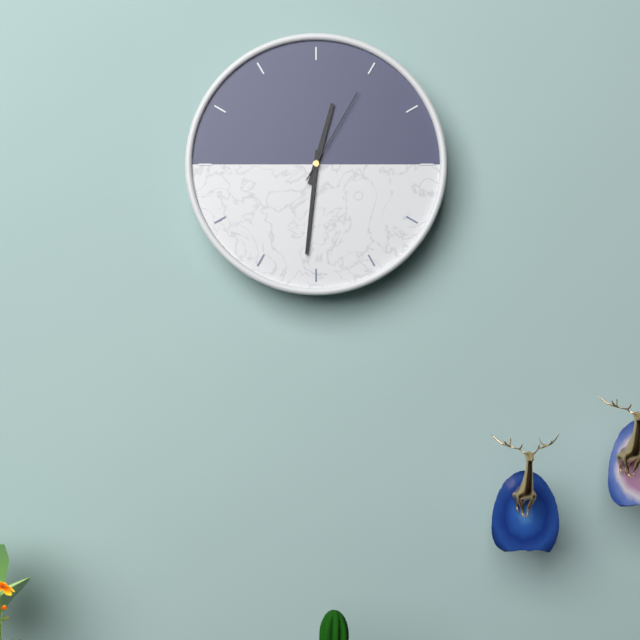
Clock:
{"hour": 12, "minute": 31, "second": 5}
